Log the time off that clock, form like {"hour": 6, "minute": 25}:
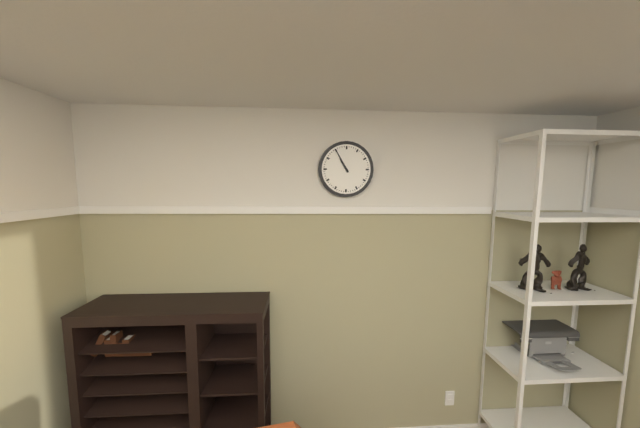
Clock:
{"hour": 10, "minute": 55}
